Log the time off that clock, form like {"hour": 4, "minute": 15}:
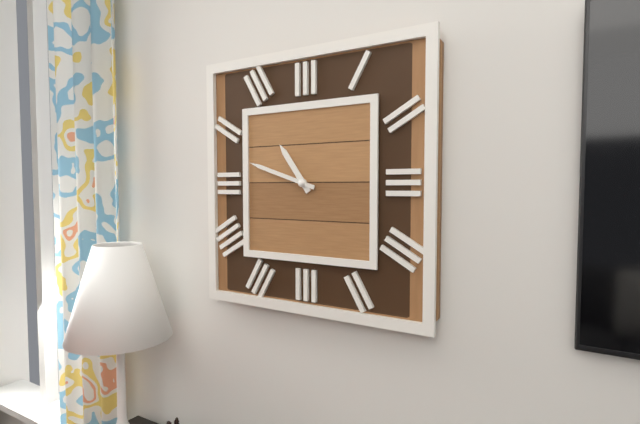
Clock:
{"hour": 10, "minute": 48}
